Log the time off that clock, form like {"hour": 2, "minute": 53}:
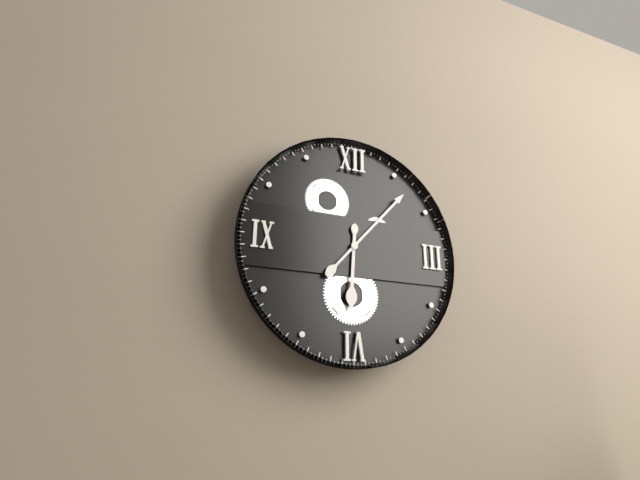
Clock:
{"hour": 6, "minute": 7}
